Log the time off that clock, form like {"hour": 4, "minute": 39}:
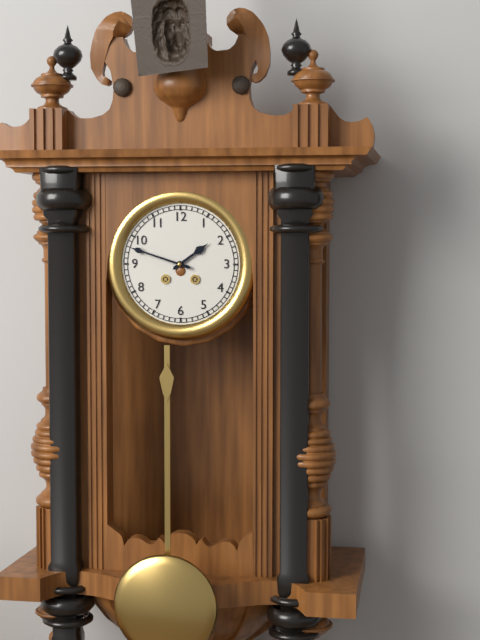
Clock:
{"hour": 1, "minute": 48}
